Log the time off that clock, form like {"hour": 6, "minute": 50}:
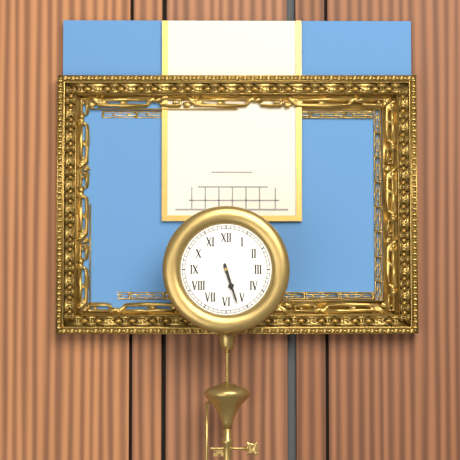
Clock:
{"hour": 5, "minute": 27}
